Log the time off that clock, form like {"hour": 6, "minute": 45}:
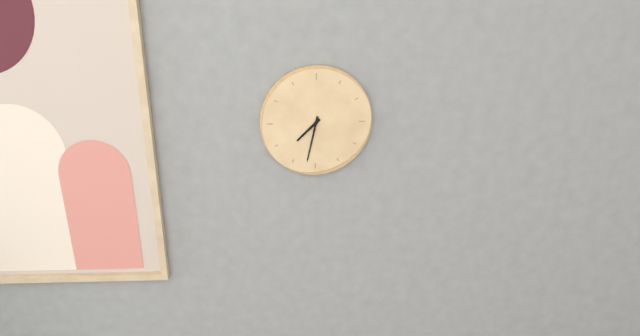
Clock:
{"hour": 7, "minute": 32}
